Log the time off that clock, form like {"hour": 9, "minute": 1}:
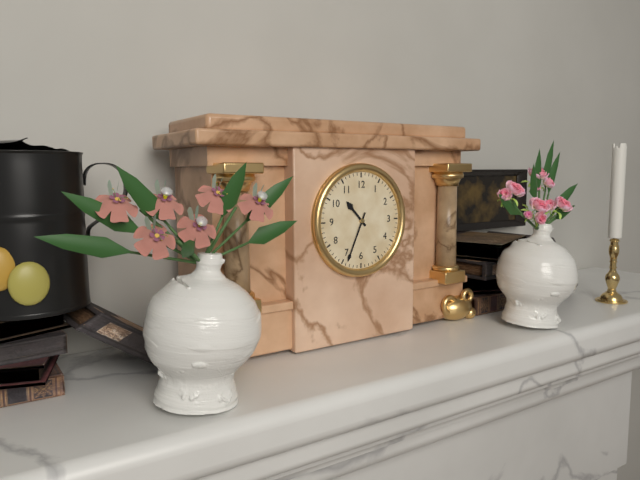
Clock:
{"hour": 10, "minute": 34}
